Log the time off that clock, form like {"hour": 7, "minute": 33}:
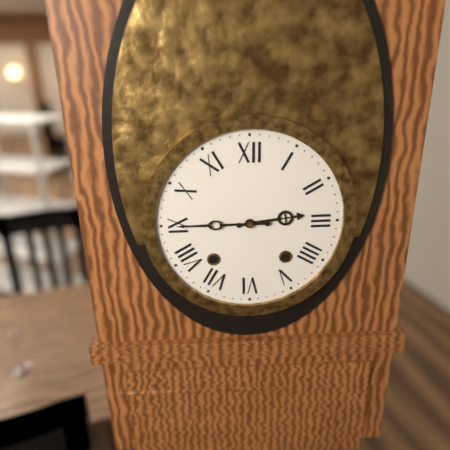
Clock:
{"hour": 2, "minute": 45}
